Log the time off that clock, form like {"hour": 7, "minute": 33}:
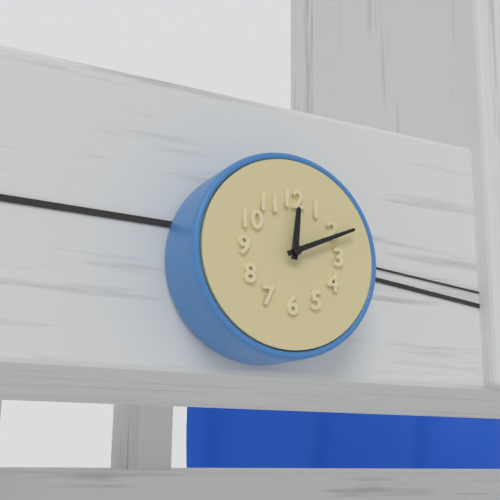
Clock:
{"hour": 12, "minute": 11}
